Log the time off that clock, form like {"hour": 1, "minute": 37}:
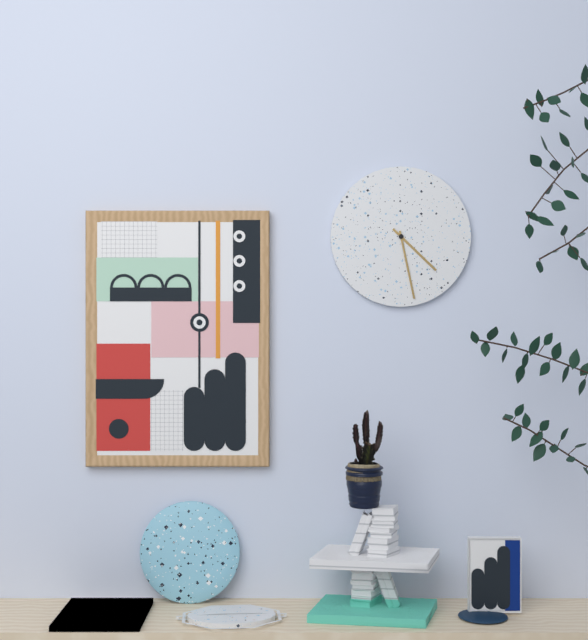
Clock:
{"hour": 4, "minute": 28}
